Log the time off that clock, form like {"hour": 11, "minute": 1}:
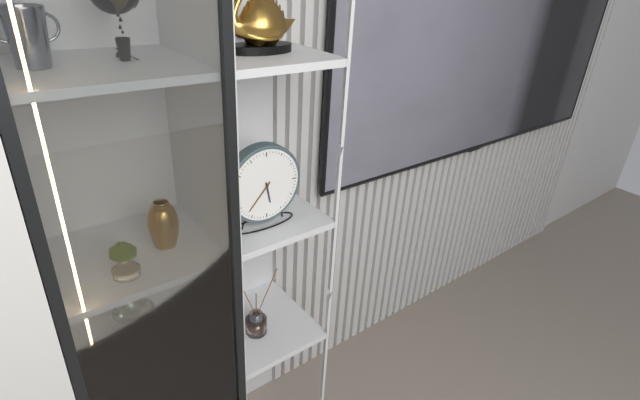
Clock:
{"hour": 5, "minute": 37}
